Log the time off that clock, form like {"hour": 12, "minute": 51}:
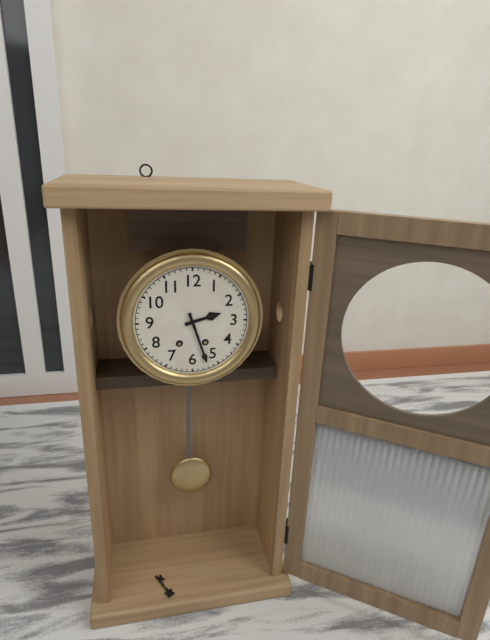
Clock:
{"hour": 2, "minute": 27}
